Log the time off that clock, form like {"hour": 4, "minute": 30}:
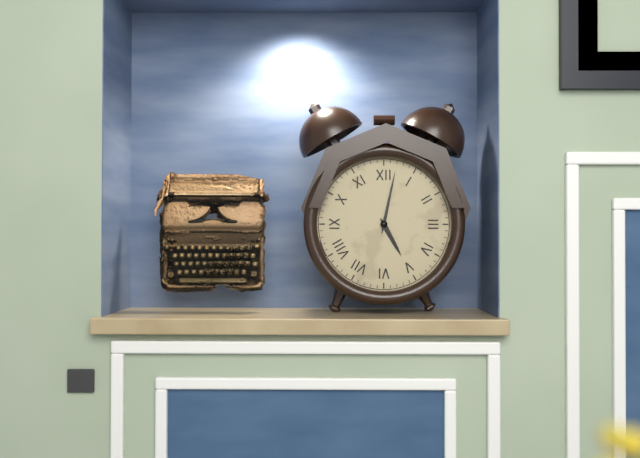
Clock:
{"hour": 5, "minute": 2}
